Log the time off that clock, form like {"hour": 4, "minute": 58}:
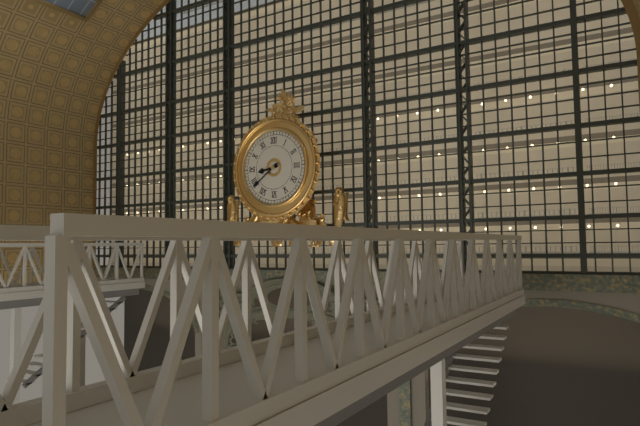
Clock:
{"hour": 8, "minute": 39}
